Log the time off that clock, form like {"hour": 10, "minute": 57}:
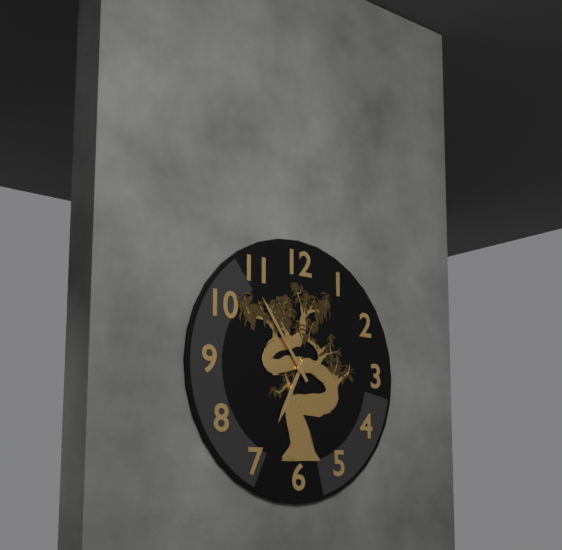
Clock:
{"hour": 6, "minute": 54}
